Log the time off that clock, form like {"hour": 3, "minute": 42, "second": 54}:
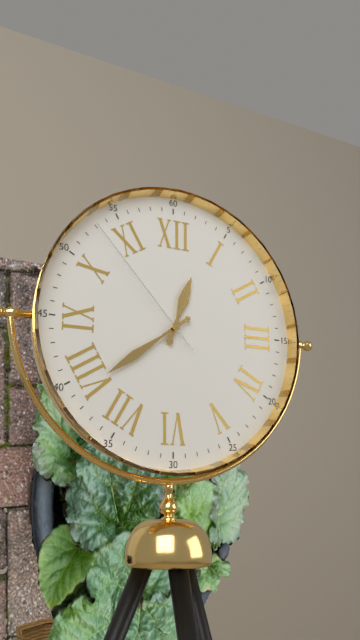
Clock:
{"hour": 12, "minute": 39, "second": 53}
